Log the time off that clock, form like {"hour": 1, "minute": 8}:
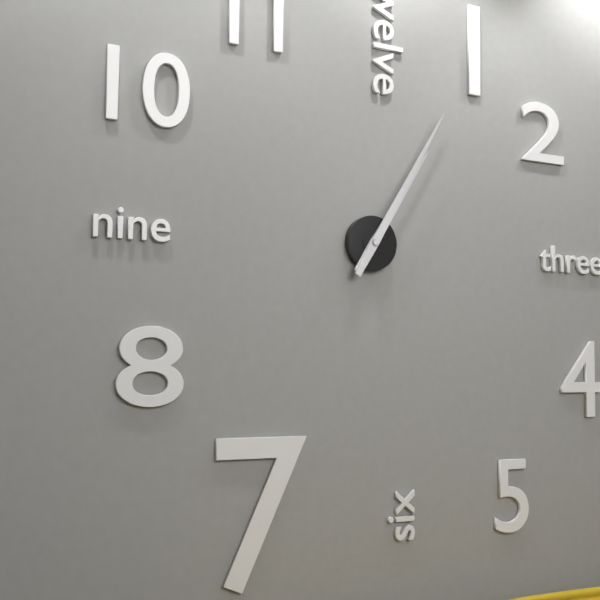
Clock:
{"hour": 1, "minute": 5}
